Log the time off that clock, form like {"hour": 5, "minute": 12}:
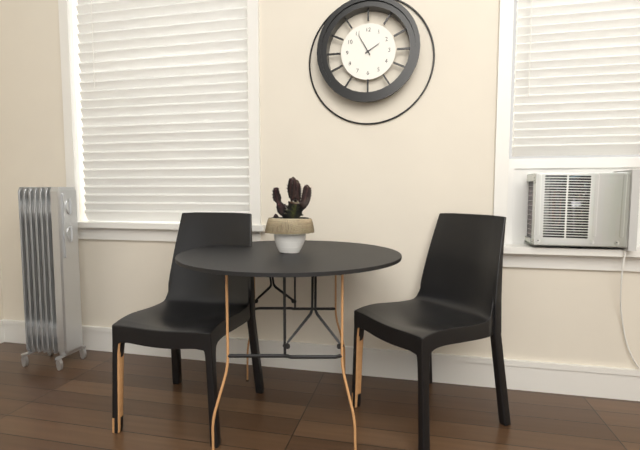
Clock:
{"hour": 1, "minute": 55}
